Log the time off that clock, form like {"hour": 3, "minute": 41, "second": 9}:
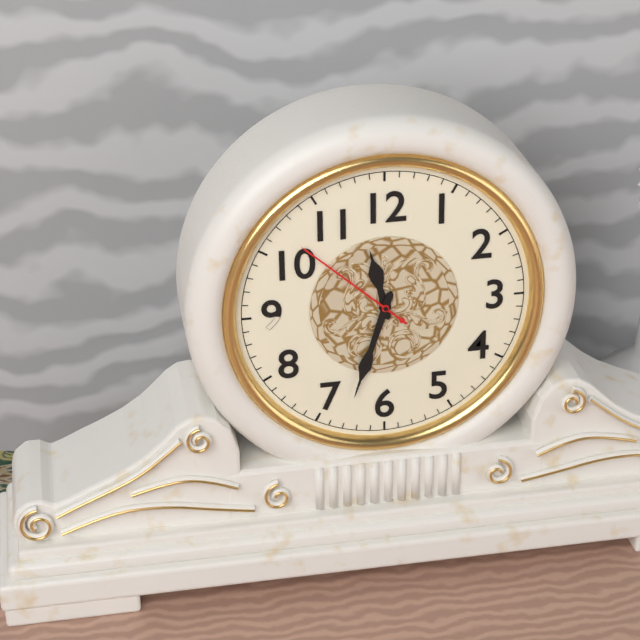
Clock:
{"hour": 11, "minute": 33, "second": 52}
